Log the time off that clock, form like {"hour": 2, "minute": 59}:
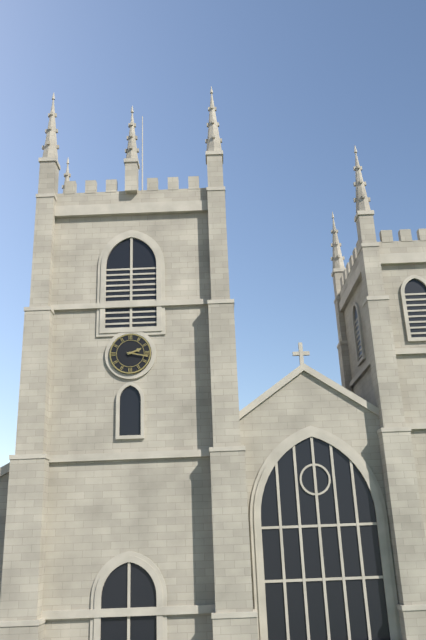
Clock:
{"hour": 2, "minute": 17}
